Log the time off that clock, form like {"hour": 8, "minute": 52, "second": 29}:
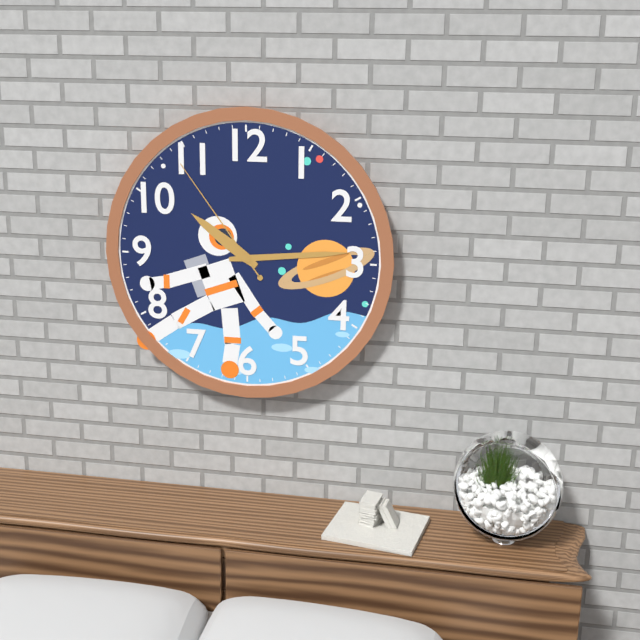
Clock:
{"hour": 10, "minute": 14, "second": 54}
